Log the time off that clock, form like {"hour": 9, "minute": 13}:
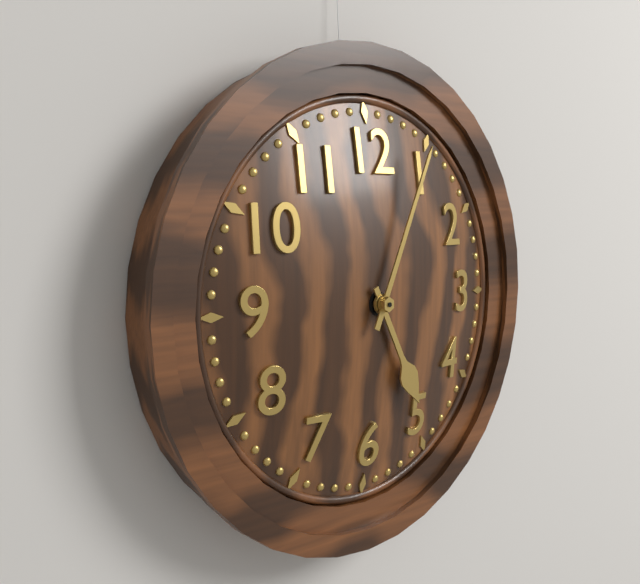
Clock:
{"hour": 5, "minute": 4}
